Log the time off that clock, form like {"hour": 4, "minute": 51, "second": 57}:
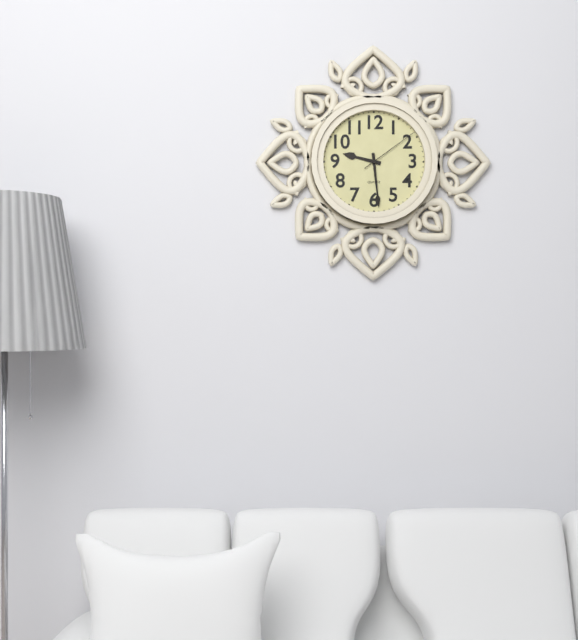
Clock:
{"hour": 9, "minute": 29, "second": 9}
